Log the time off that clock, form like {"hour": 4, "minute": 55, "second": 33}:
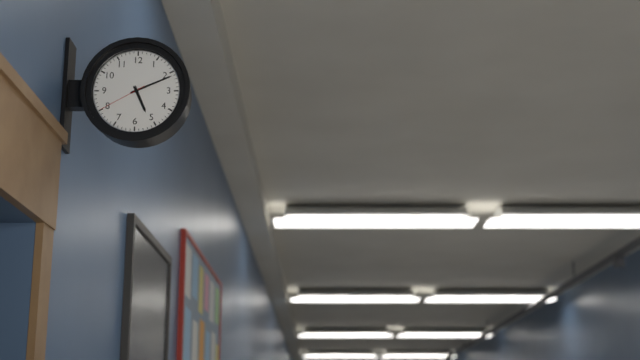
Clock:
{"hour": 5, "minute": 11, "second": 40}
